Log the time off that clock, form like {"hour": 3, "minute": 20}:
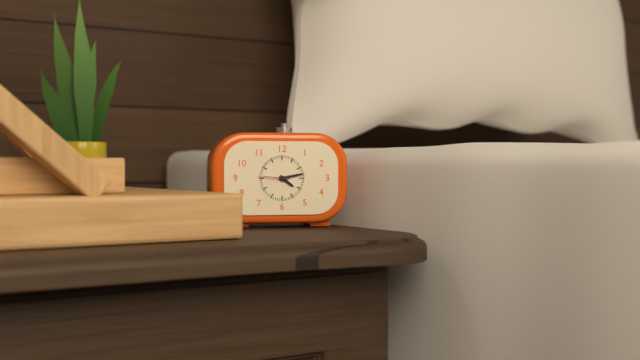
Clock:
{"hour": 4, "minute": 13}
